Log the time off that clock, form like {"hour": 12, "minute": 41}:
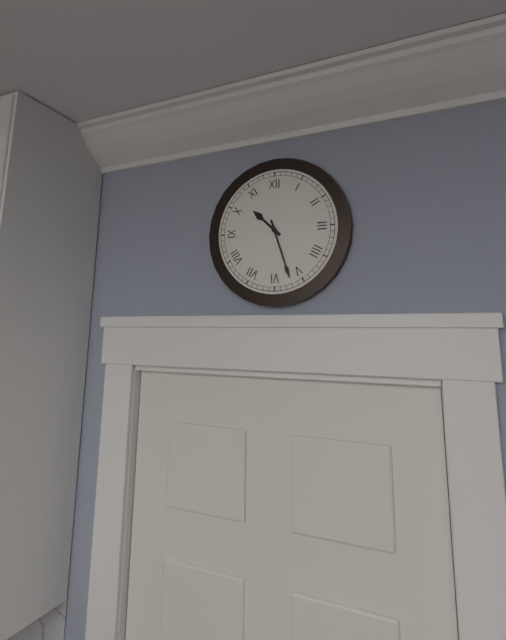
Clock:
{"hour": 10, "minute": 27}
